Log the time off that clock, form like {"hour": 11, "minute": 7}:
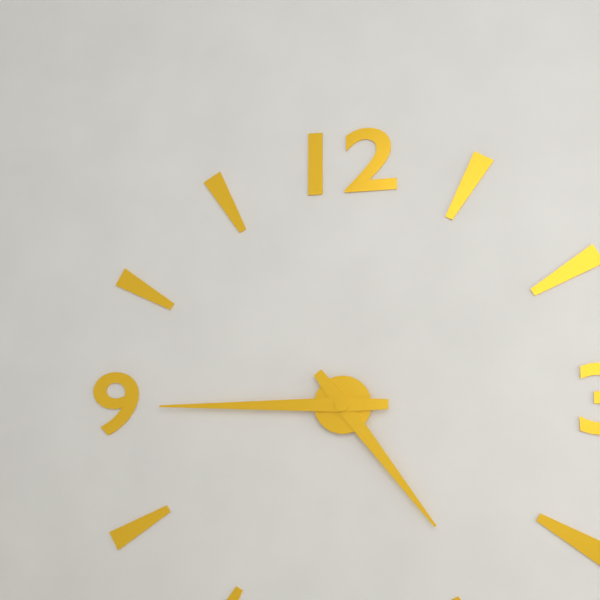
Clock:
{"hour": 4, "minute": 45}
